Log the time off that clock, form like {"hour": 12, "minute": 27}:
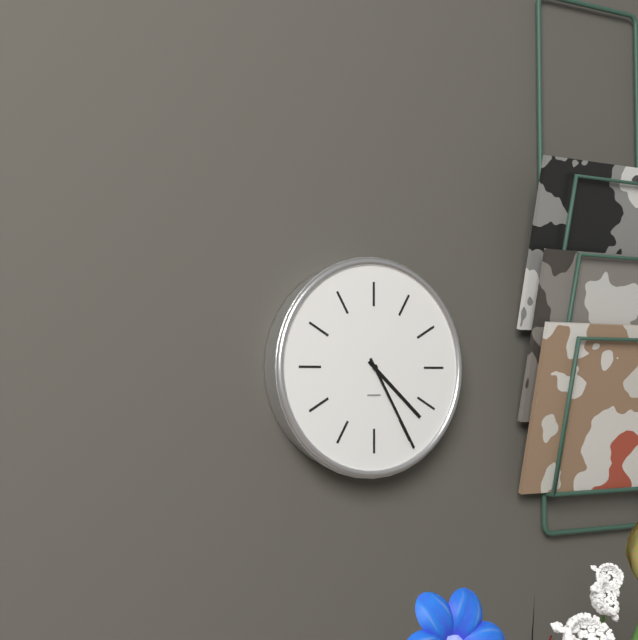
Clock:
{"hour": 4, "minute": 25}
